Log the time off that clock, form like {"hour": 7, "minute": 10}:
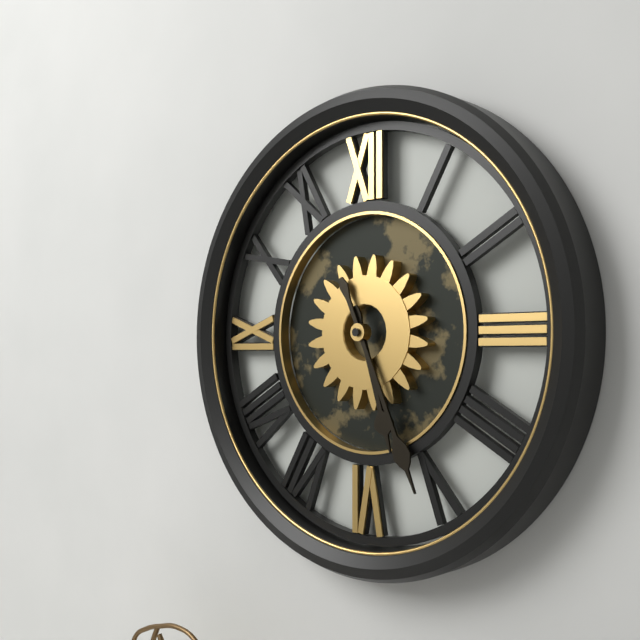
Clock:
{"hour": 5, "minute": 26}
